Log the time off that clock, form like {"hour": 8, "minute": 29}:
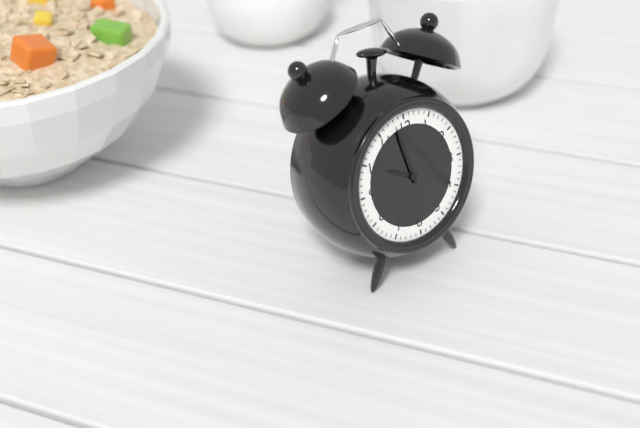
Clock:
{"hour": 9, "minute": 58}
